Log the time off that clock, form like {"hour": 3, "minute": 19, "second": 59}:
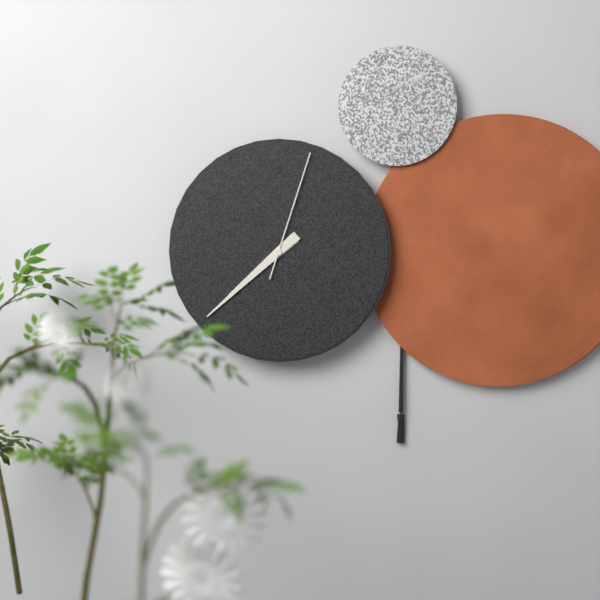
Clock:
{"hour": 7, "minute": 38, "second": 3}
